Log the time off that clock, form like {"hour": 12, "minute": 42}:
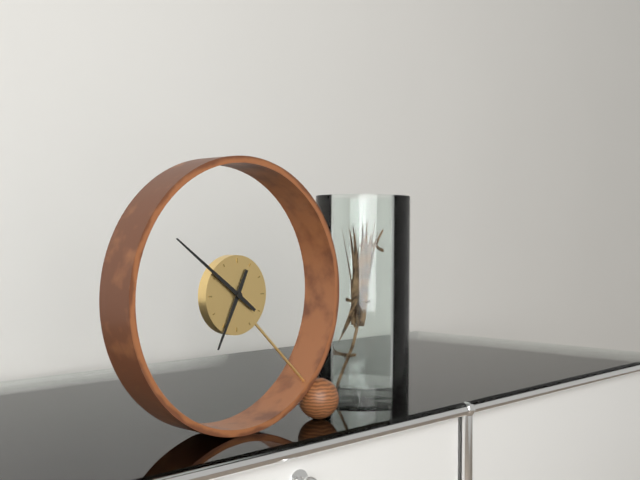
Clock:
{"hour": 6, "minute": 51}
